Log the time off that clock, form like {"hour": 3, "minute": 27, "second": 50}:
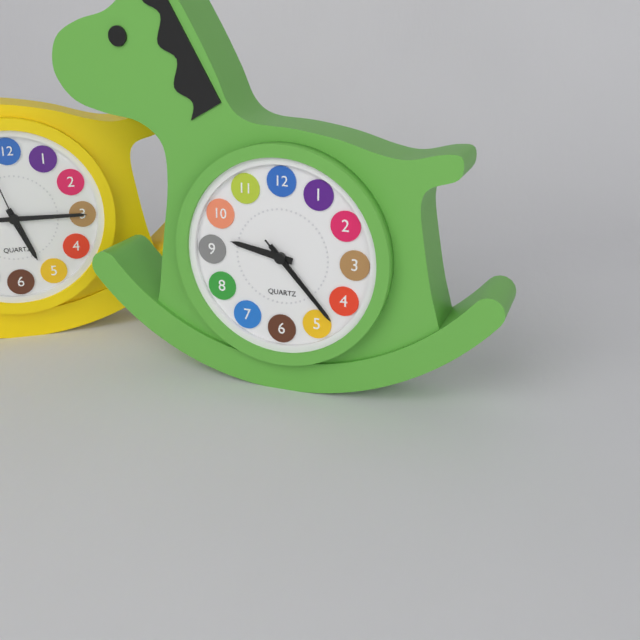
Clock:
{"hour": 9, "minute": 23, "second": 23}
